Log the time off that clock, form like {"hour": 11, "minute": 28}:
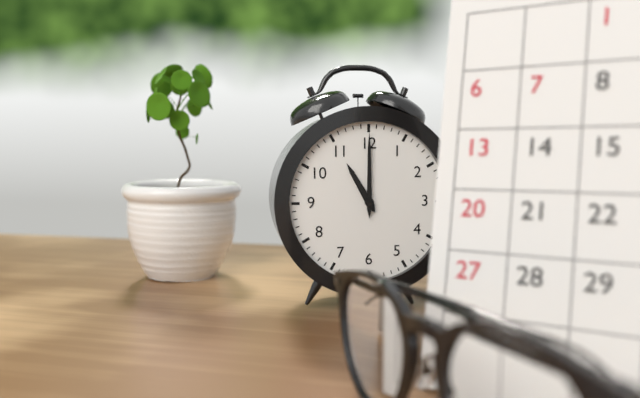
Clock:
{"hour": 11, "minute": 0}
